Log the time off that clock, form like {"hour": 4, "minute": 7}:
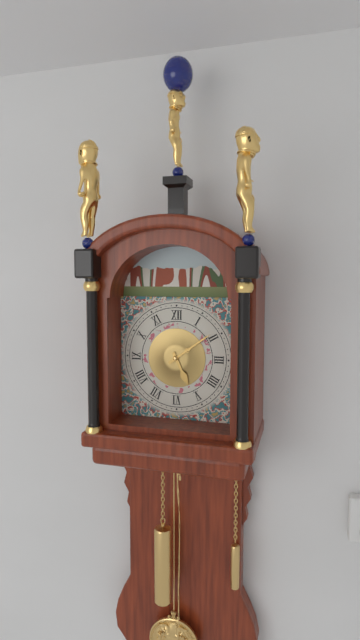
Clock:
{"hour": 5, "minute": 9}
